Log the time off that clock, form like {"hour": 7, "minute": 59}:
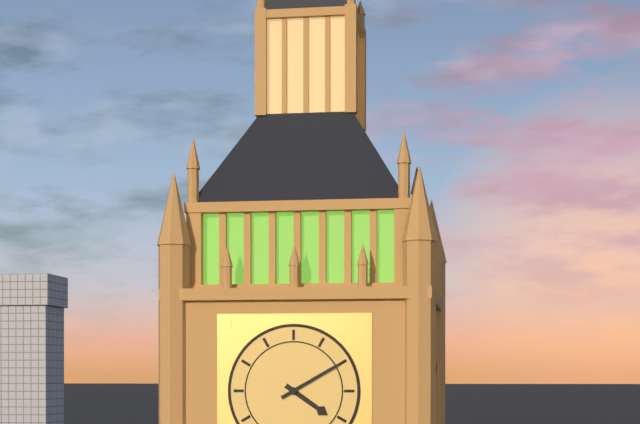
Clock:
{"hour": 4, "minute": 10}
